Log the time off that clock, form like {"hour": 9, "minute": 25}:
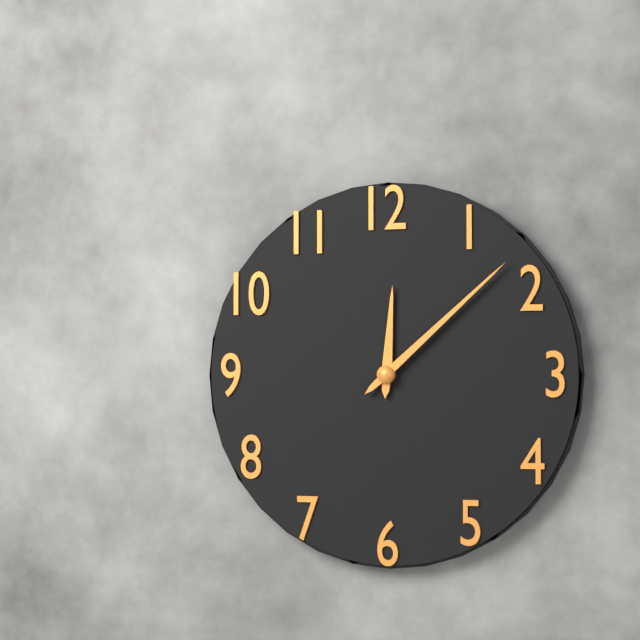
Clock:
{"hour": 12, "minute": 8}
